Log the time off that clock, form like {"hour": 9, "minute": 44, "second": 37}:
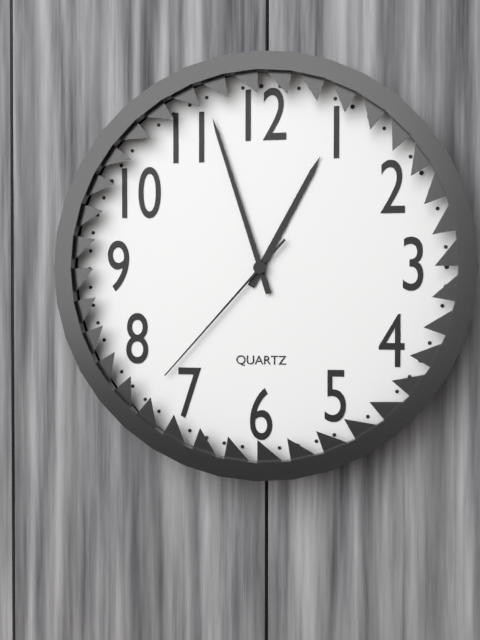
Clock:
{"hour": 12, "minute": 57, "second": 37}
